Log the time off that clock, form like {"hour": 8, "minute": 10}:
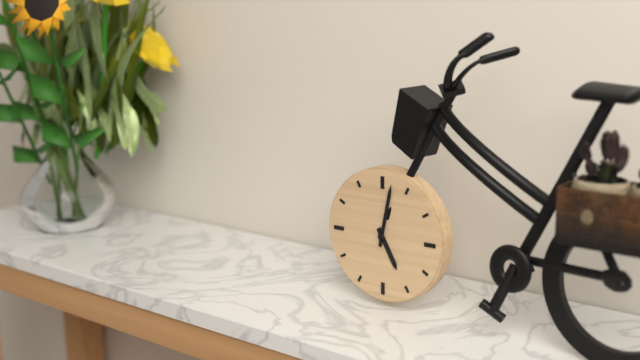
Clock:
{"hour": 5, "minute": 2}
